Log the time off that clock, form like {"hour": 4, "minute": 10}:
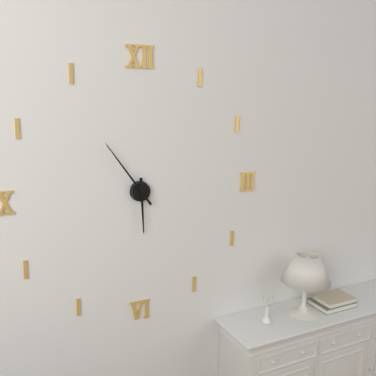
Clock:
{"hour": 5, "minute": 54}
